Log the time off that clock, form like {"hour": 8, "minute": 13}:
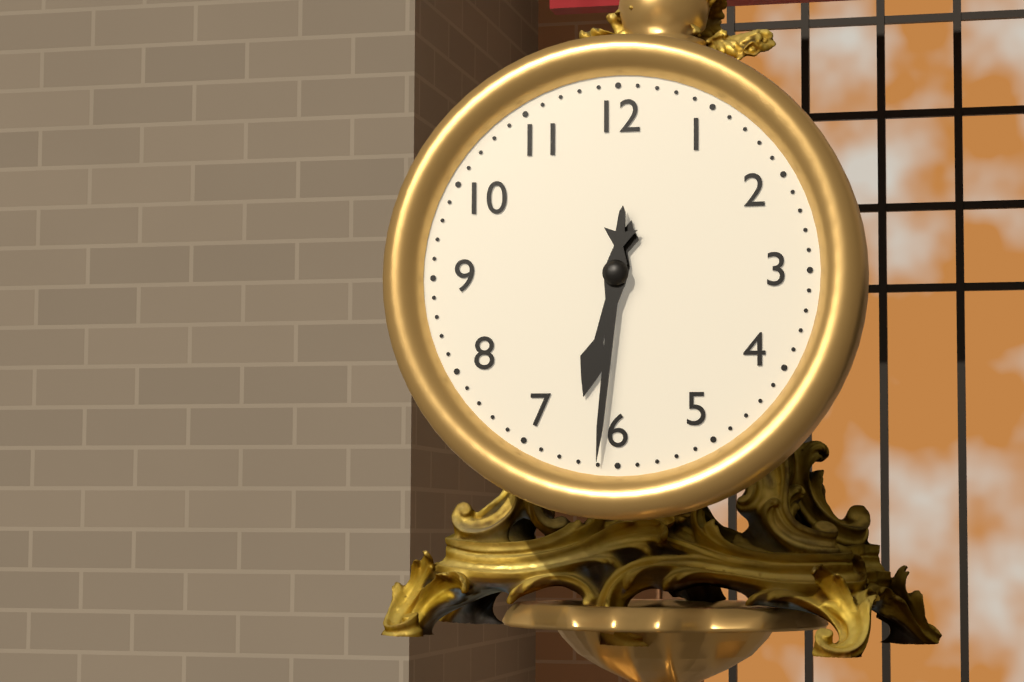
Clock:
{"hour": 6, "minute": 31}
